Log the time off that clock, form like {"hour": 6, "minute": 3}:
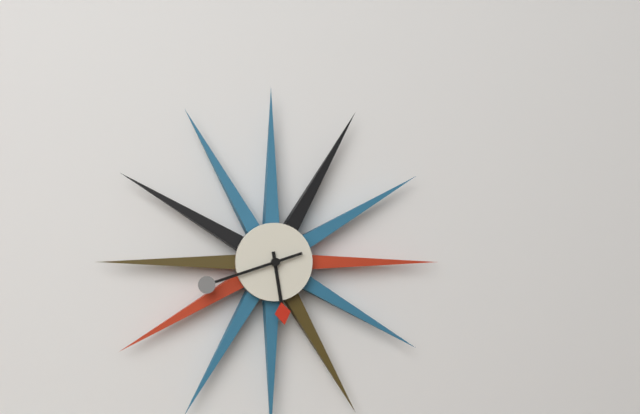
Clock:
{"hour": 5, "minute": 42}
